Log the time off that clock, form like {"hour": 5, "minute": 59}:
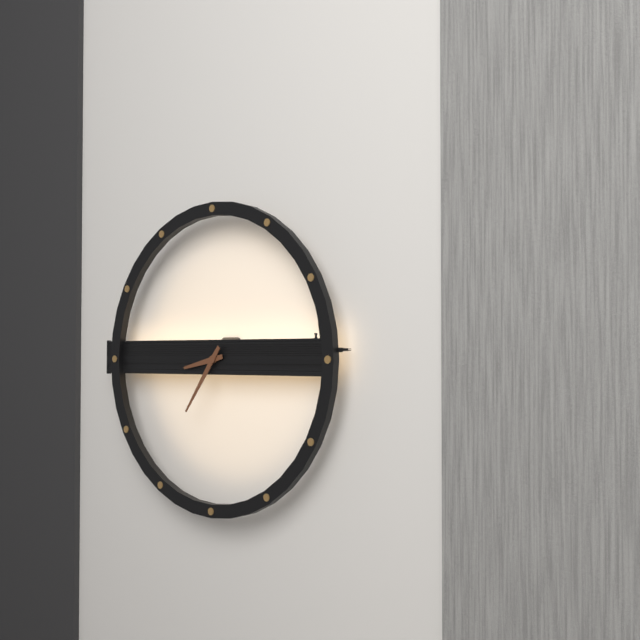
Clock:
{"hour": 8, "minute": 36}
